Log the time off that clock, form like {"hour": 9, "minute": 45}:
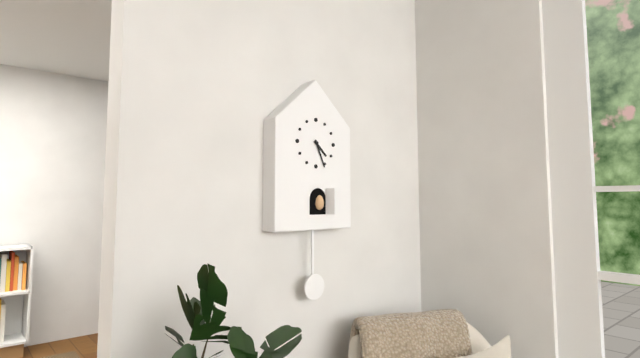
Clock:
{"hour": 4, "minute": 26}
